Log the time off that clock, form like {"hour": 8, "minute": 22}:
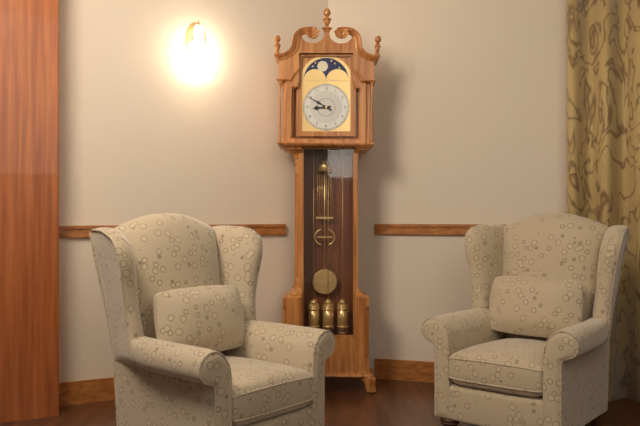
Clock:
{"hour": 8, "minute": 50}
